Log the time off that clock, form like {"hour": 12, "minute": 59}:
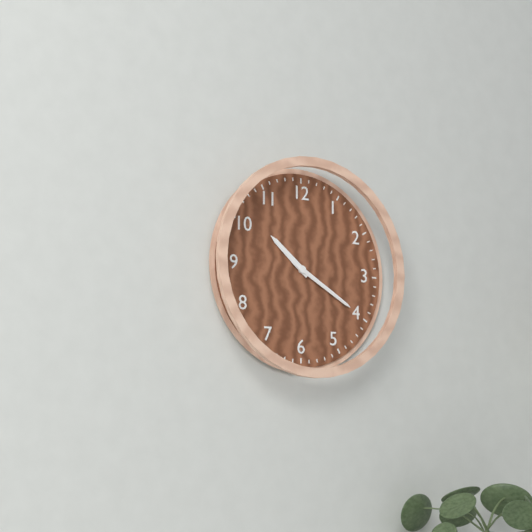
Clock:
{"hour": 10, "minute": 20}
